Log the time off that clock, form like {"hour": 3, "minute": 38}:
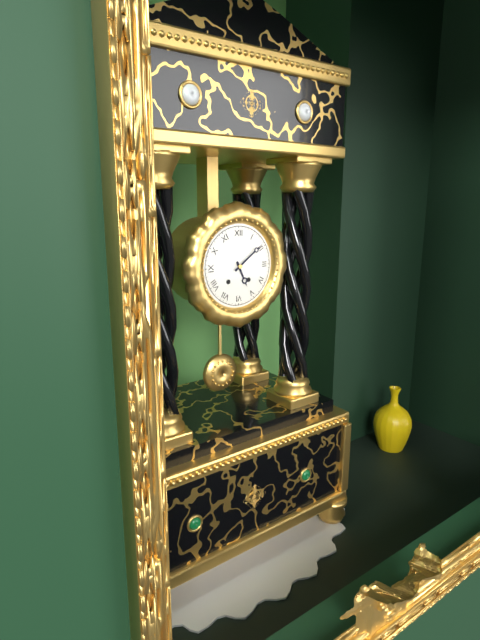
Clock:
{"hour": 5, "minute": 9}
